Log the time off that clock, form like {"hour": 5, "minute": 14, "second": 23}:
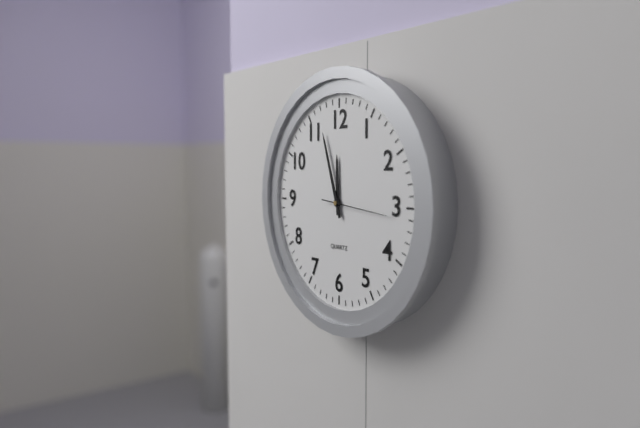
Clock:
{"hour": 11, "minute": 57, "second": 16}
